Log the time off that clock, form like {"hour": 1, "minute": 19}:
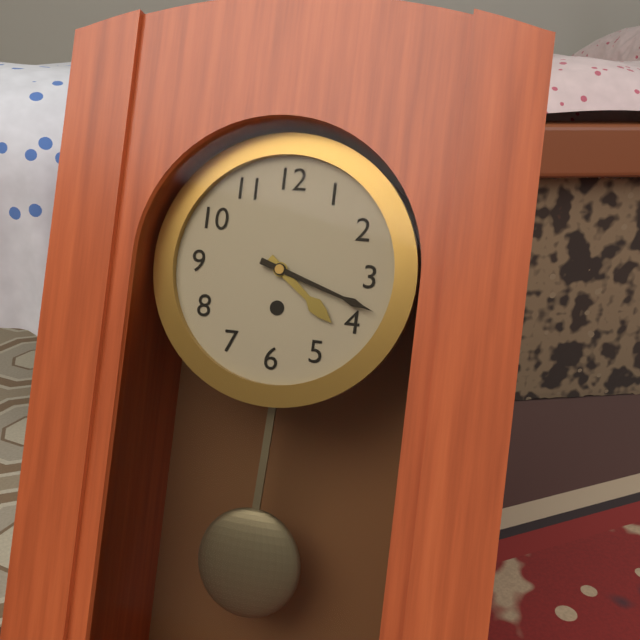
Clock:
{"hour": 4, "minute": 18}
